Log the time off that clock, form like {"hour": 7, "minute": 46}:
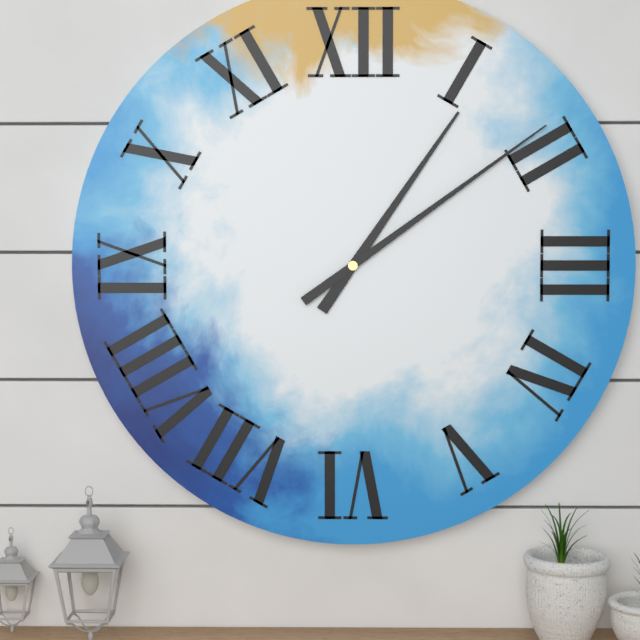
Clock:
{"hour": 1, "minute": 9}
